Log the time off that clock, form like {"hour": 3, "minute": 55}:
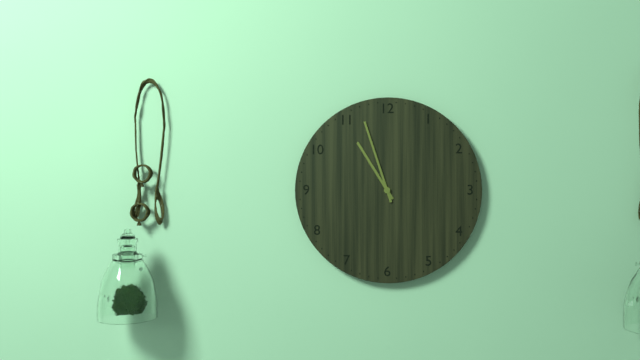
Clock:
{"hour": 10, "minute": 57}
